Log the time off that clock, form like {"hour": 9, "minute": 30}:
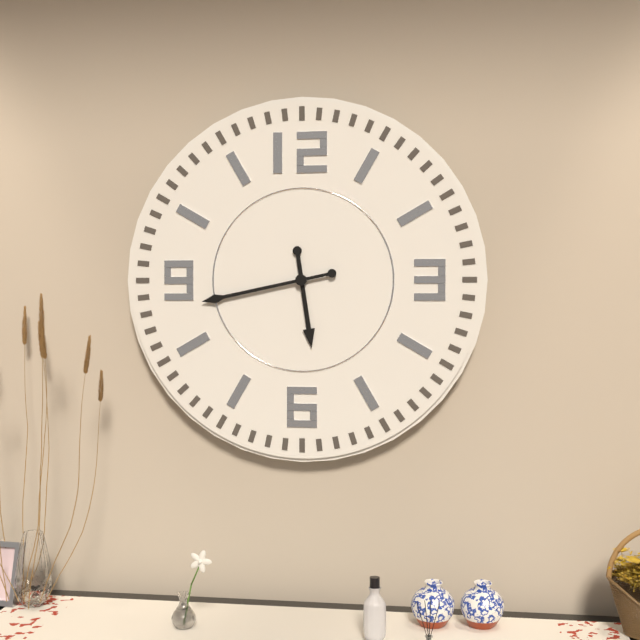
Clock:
{"hour": 5, "minute": 43}
